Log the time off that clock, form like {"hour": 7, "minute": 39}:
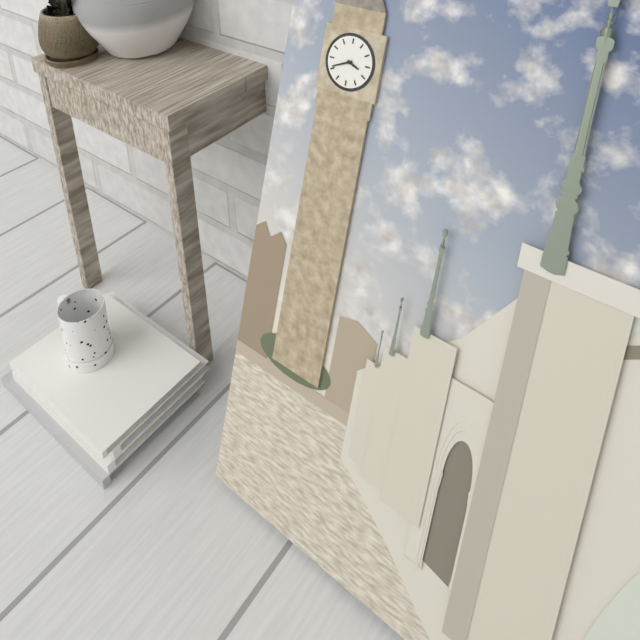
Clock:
{"hour": 3, "minute": 41}
